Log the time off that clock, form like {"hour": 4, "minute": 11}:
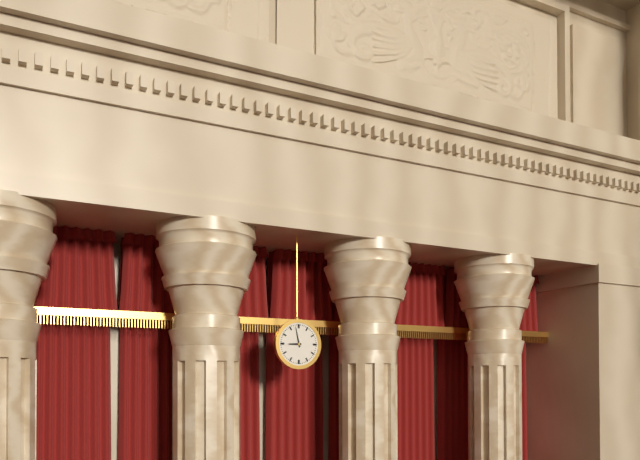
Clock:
{"hour": 8, "minute": 58}
